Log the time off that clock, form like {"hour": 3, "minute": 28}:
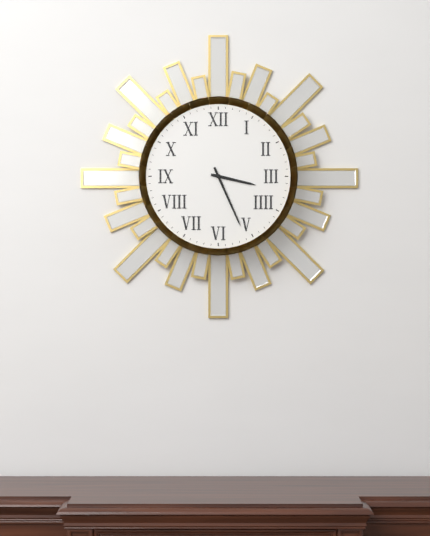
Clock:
{"hour": 3, "minute": 26}
